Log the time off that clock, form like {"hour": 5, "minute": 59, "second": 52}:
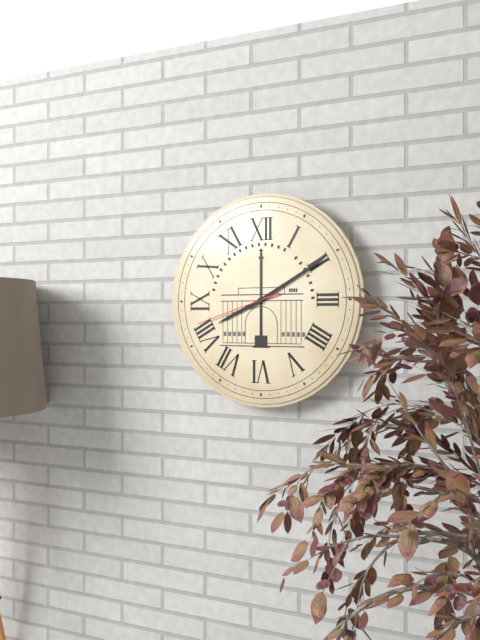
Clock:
{"hour": 8, "minute": 10, "second": 42}
